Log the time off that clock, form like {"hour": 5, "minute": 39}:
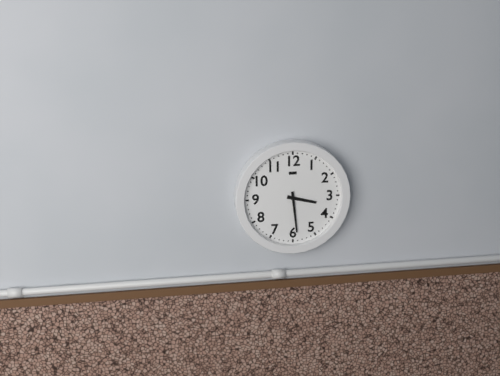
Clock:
{"hour": 3, "minute": 29}
